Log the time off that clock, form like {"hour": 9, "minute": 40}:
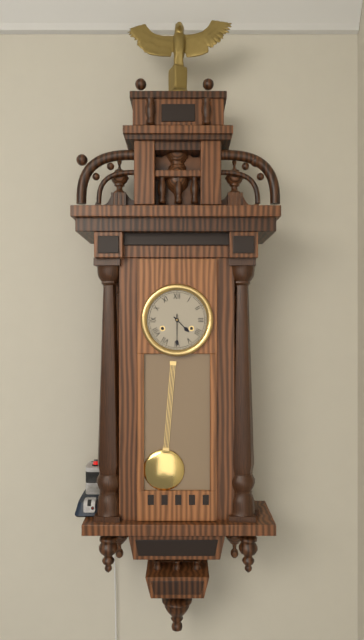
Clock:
{"hour": 4, "minute": 30}
